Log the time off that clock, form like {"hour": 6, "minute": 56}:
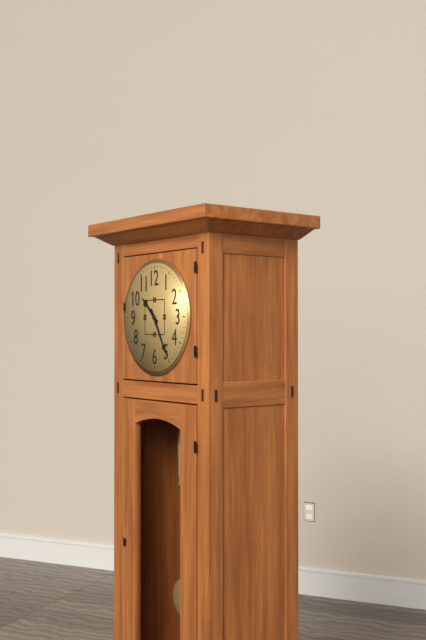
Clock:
{"hour": 10, "minute": 25}
